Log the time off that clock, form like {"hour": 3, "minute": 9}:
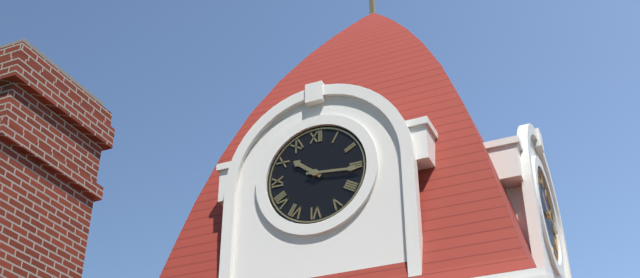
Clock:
{"hour": 10, "minute": 16}
